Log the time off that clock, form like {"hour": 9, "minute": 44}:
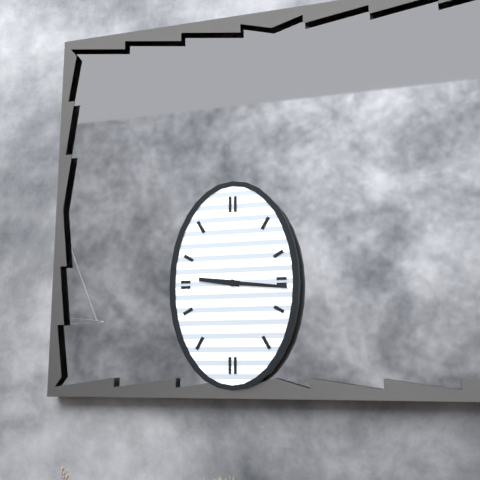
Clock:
{"hour": 9, "minute": 16}
